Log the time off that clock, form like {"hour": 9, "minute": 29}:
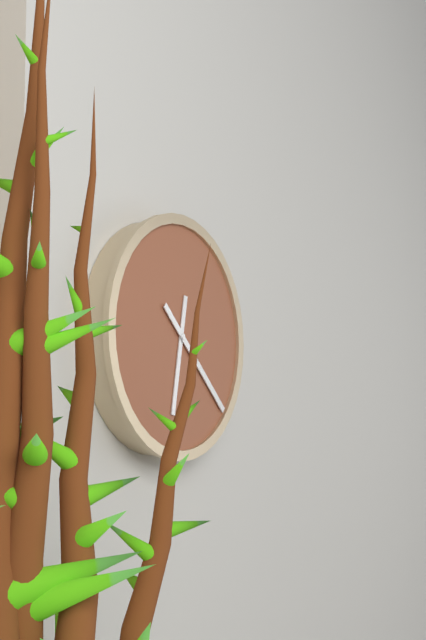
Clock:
{"hour": 6, "minute": 22}
